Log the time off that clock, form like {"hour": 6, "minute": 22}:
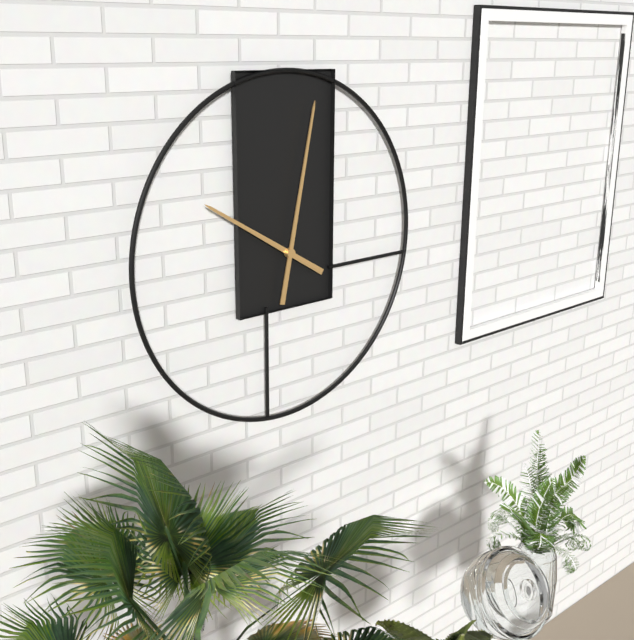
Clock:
{"hour": 10, "minute": 2}
